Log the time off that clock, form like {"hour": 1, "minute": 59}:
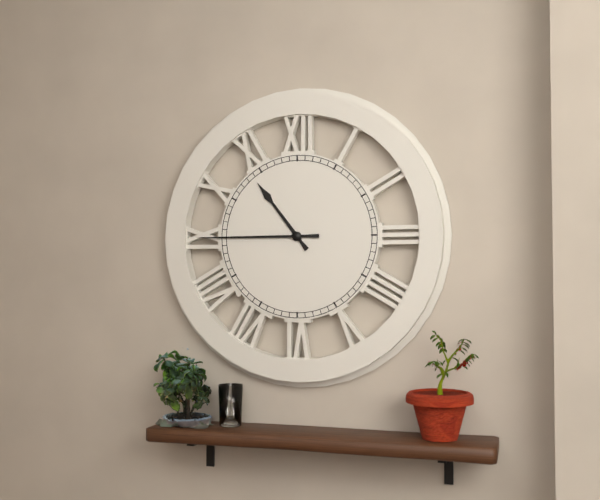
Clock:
{"hour": 10, "minute": 45}
